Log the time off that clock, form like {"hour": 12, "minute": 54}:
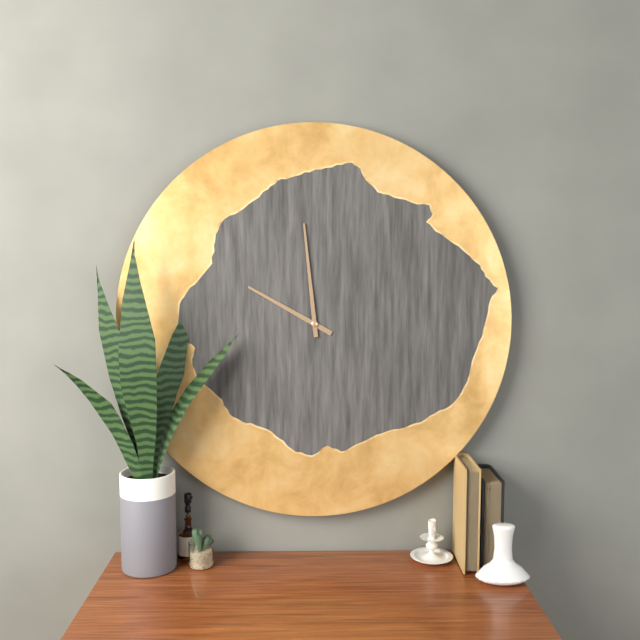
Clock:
{"hour": 9, "minute": 59}
